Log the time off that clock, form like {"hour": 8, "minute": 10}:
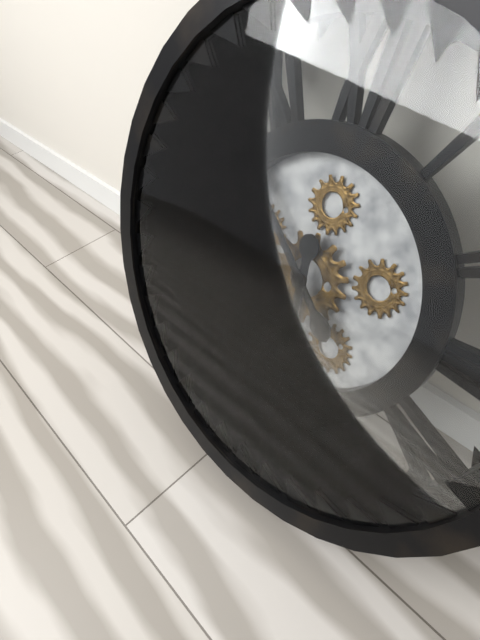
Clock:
{"hour": 5, "minute": 52}
